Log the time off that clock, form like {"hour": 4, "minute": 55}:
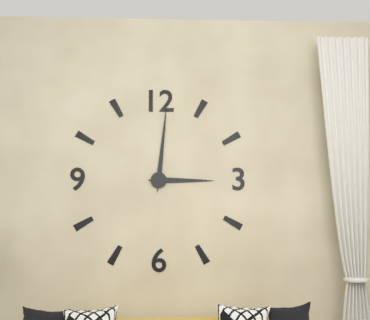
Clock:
{"hour": 3, "minute": 1}
